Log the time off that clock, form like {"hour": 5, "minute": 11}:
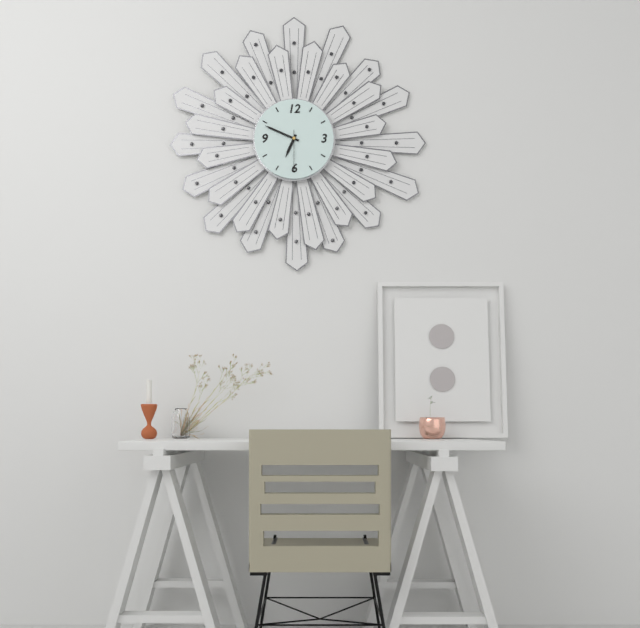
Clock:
{"hour": 6, "minute": 49}
